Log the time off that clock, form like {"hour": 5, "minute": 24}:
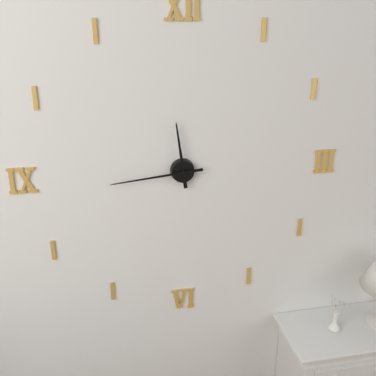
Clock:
{"hour": 11, "minute": 44}
